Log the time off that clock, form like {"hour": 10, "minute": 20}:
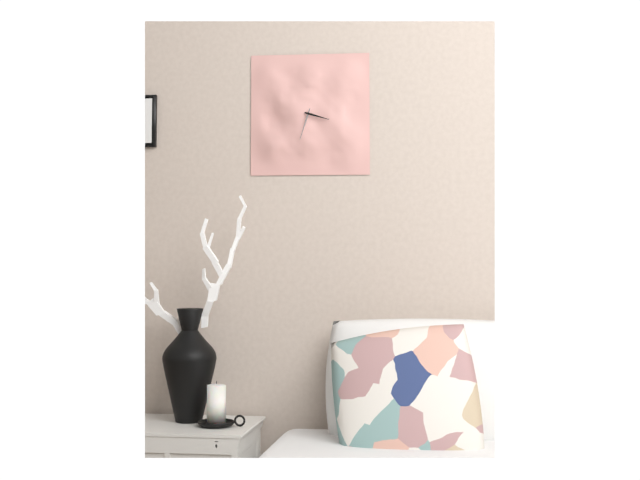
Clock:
{"hour": 3, "minute": 33}
